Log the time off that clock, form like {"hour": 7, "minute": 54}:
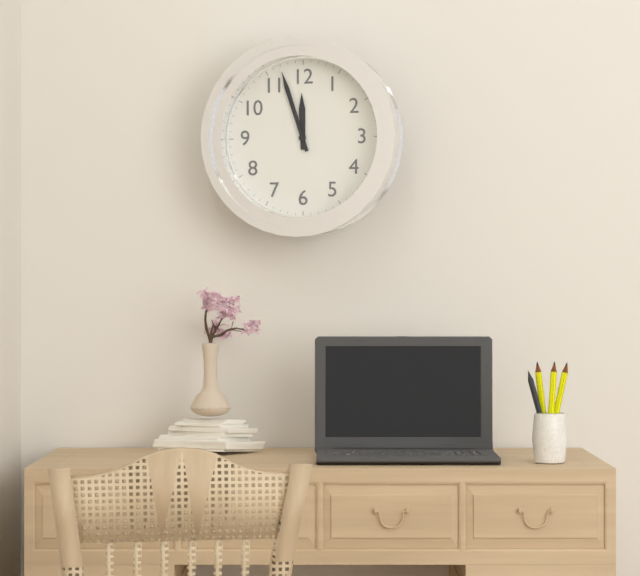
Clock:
{"hour": 11, "minute": 57}
